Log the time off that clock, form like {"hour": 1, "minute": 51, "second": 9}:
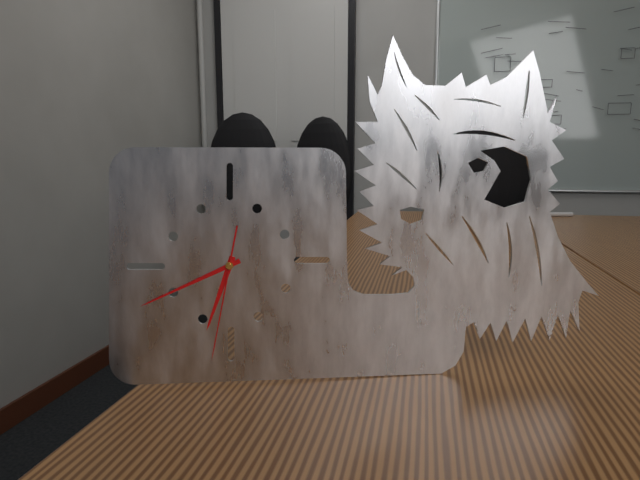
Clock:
{"hour": 6, "minute": 41, "second": 32}
